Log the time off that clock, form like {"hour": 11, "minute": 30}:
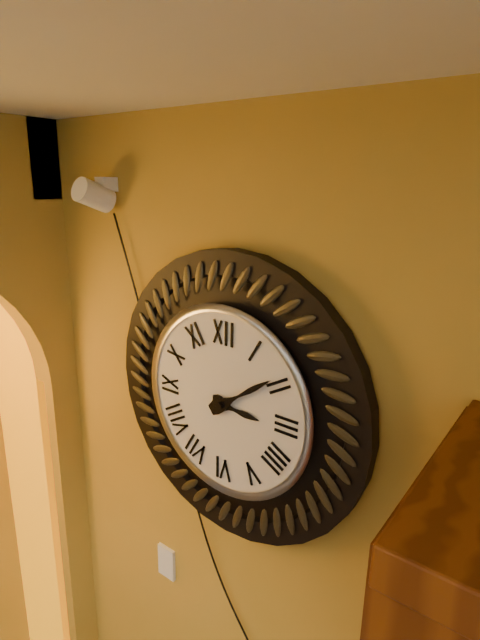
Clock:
{"hour": 3, "minute": 9}
